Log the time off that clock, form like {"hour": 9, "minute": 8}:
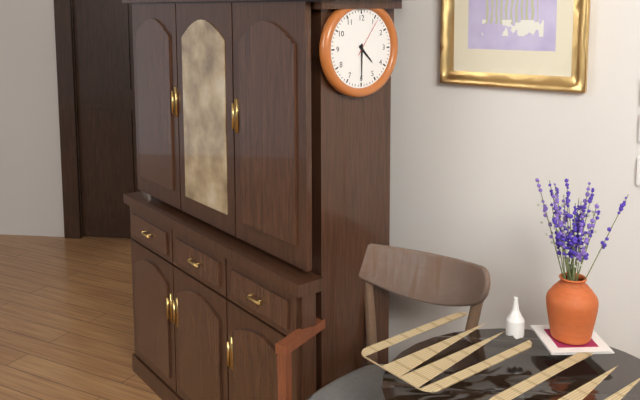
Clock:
{"hour": 4, "minute": 30}
